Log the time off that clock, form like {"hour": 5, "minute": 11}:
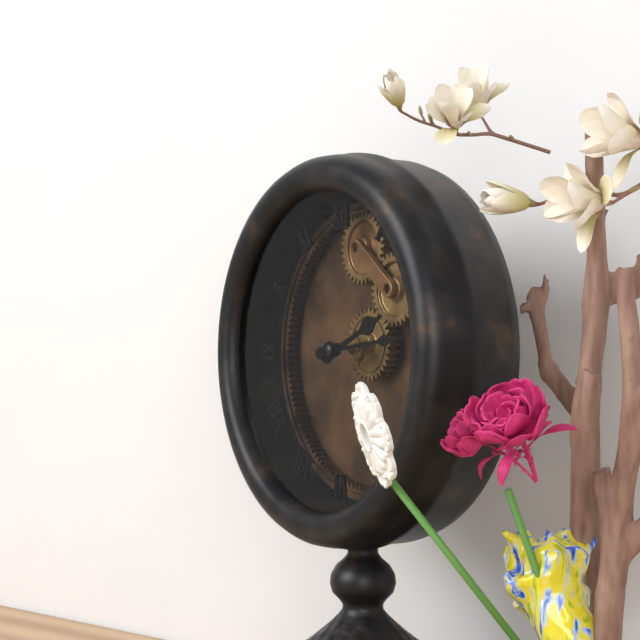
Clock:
{"hour": 2, "minute": 14}
